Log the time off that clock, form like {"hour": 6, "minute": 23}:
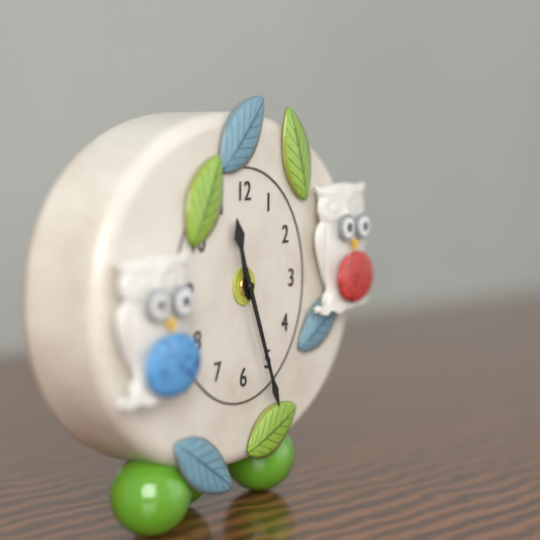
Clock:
{"hour": 11, "minute": 26}
